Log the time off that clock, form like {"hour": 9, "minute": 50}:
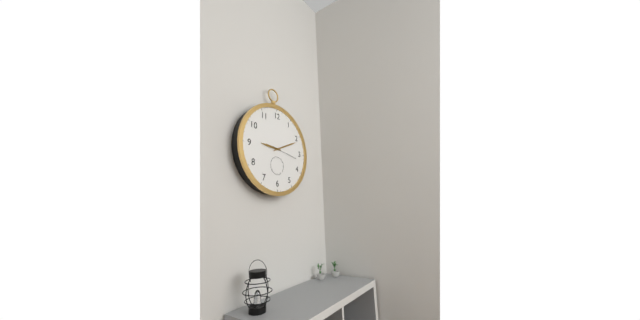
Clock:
{"hour": 9, "minute": 11}
